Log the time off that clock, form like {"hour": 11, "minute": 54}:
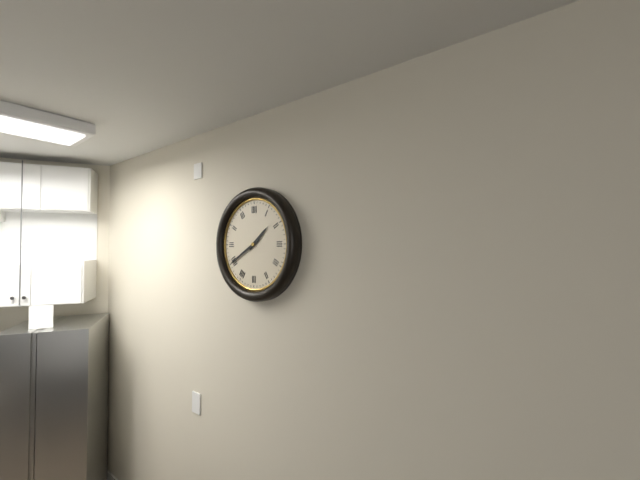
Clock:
{"hour": 1, "minute": 40}
